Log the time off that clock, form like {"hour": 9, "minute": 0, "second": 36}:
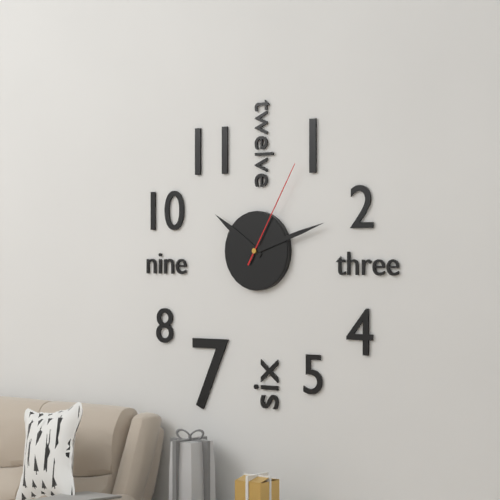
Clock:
{"hour": 10, "minute": 12, "second": 5}
